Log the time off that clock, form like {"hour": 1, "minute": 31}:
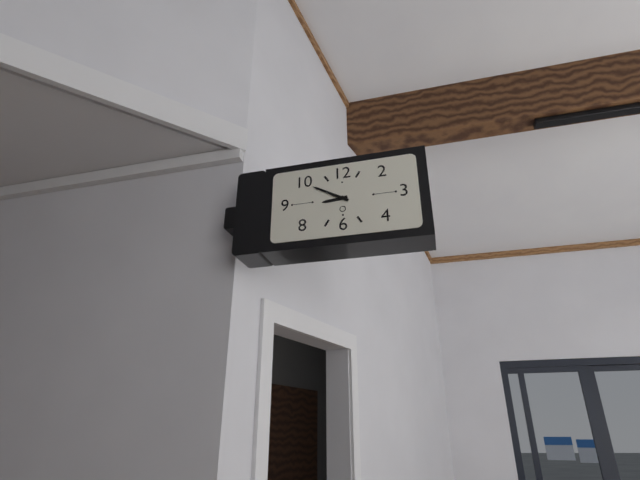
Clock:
{"hour": 8, "minute": 50}
